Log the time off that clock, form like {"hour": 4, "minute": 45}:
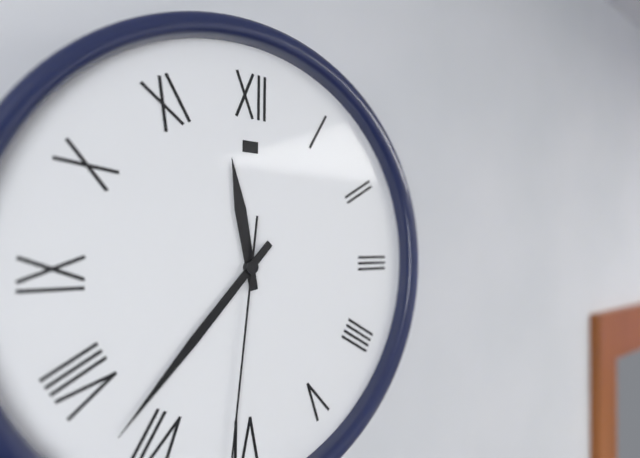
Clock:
{"hour": 11, "minute": 37}
